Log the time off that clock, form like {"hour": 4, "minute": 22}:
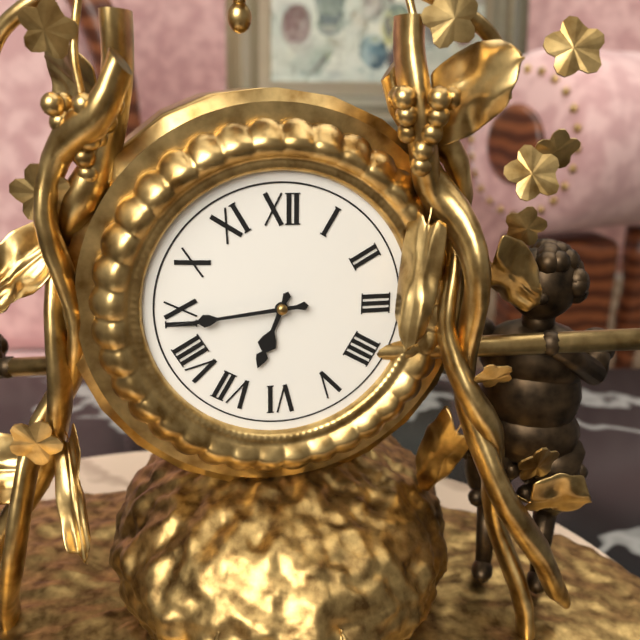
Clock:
{"hour": 6, "minute": 44}
